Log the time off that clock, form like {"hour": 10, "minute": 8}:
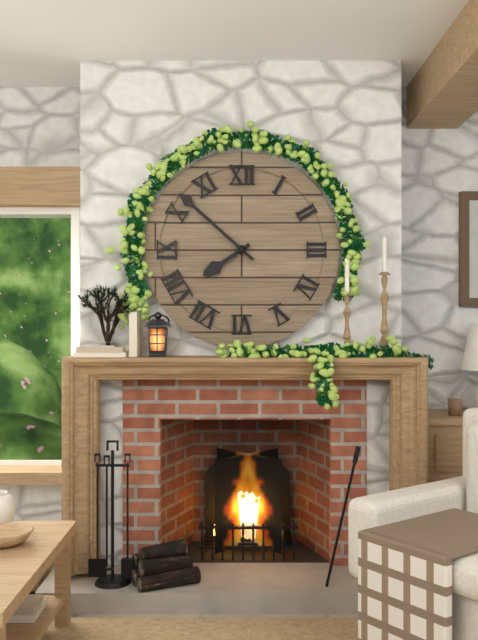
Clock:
{"hour": 7, "minute": 52}
